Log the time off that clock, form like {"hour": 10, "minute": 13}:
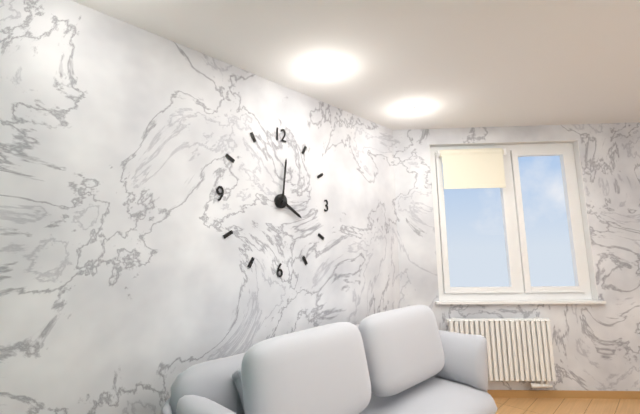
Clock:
{"hour": 4, "minute": 1}
